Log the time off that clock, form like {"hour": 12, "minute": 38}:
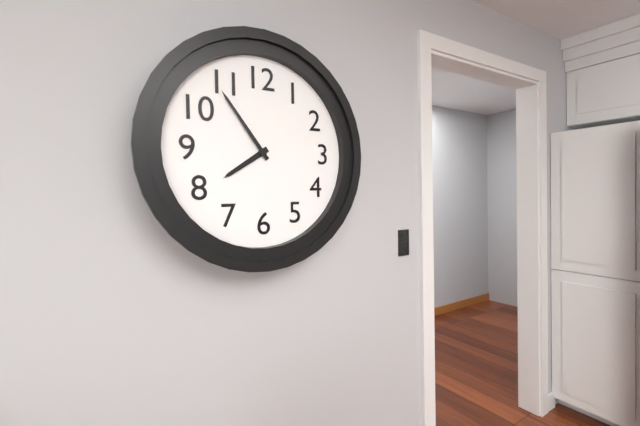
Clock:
{"hour": 7, "minute": 54}
